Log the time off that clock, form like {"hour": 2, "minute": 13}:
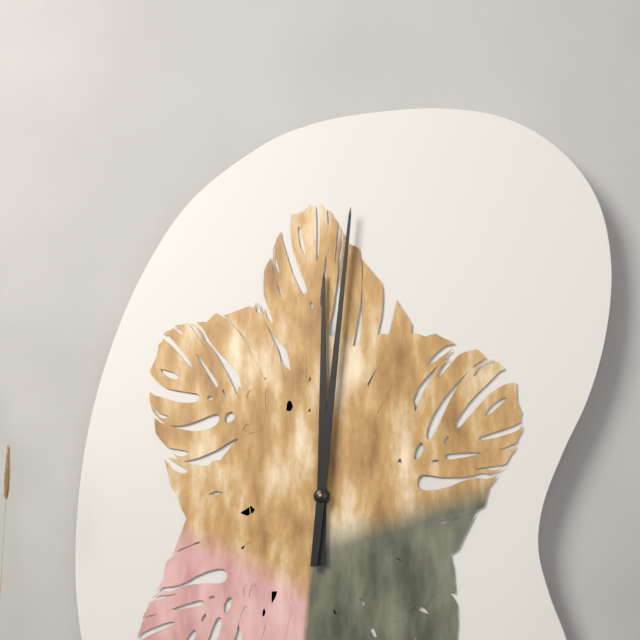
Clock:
{"hour": 12, "minute": 1}
